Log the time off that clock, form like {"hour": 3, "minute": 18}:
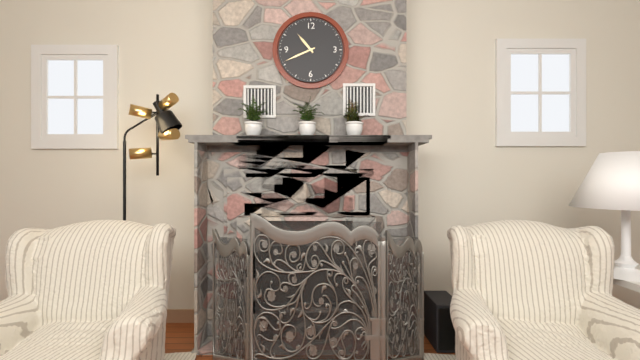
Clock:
{"hour": 10, "minute": 41}
